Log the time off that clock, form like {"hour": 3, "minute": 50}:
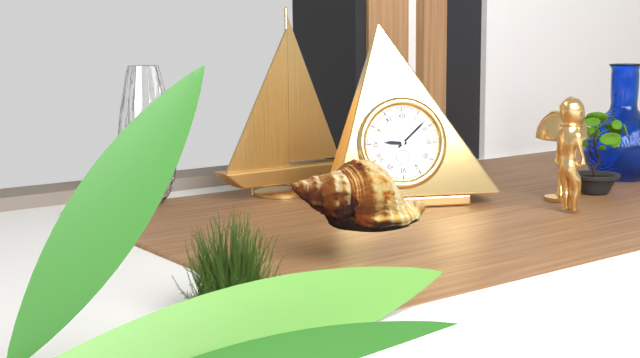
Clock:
{"hour": 9, "minute": 8}
